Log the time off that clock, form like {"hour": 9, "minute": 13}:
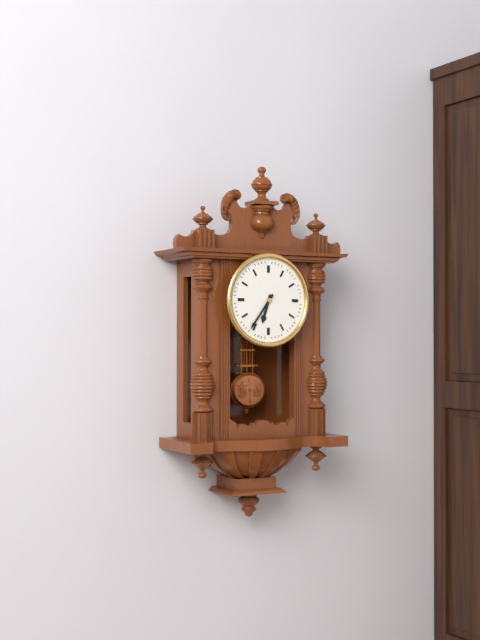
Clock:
{"hour": 6, "minute": 36}
